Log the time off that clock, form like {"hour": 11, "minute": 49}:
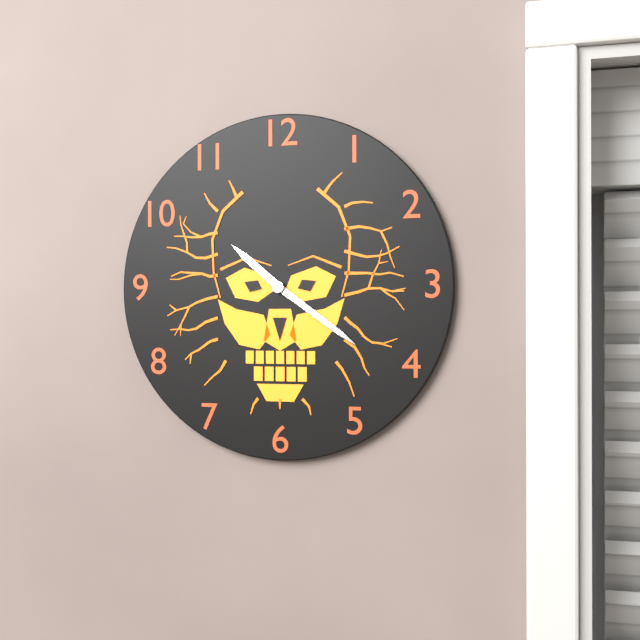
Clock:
{"hour": 10, "minute": 21}
